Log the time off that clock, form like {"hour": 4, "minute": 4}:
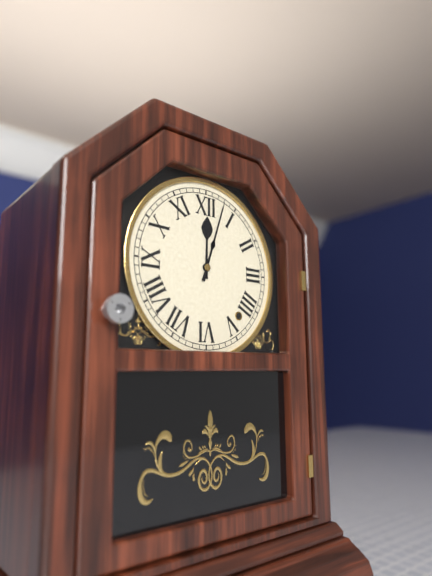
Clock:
{"hour": 12, "minute": 3}
